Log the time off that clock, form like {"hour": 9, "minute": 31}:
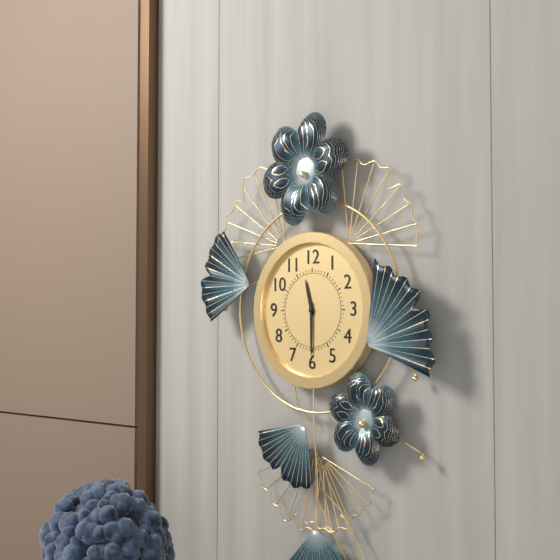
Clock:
{"hour": 11, "minute": 30}
